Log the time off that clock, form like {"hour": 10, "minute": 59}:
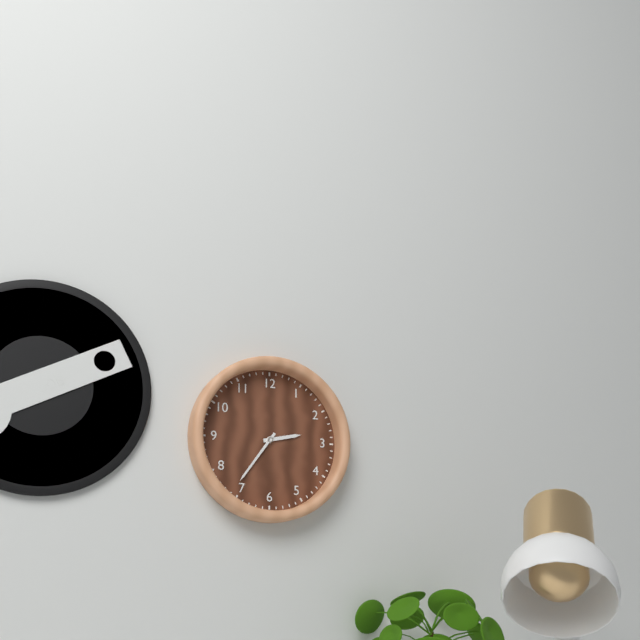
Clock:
{"hour": 2, "minute": 36}
